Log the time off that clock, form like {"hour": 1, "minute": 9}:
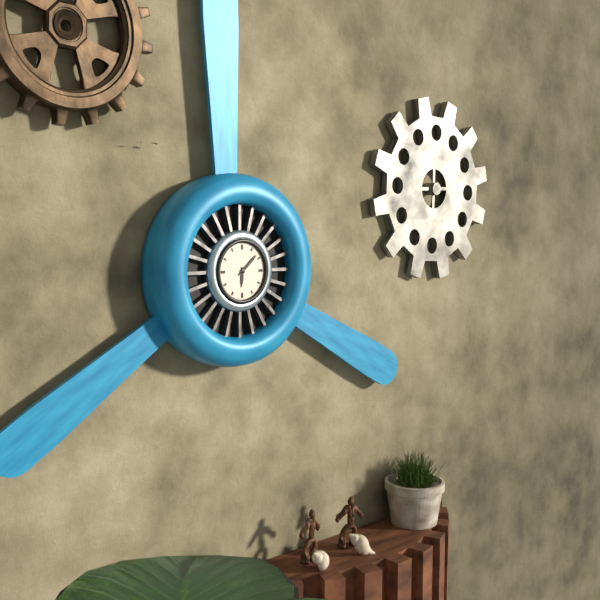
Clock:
{"hour": 6, "minute": 8}
